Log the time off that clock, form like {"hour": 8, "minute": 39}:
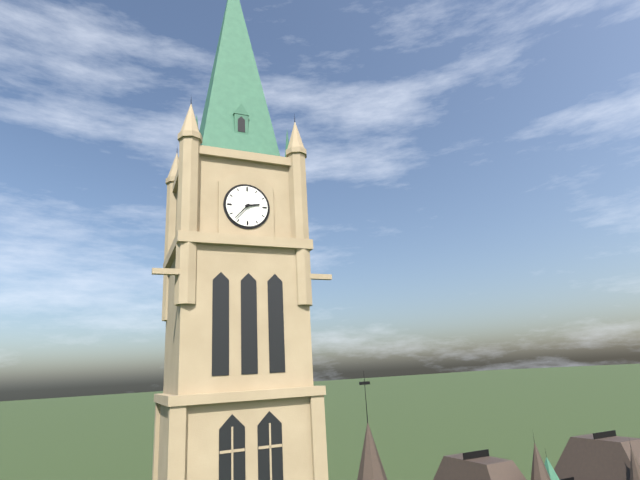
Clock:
{"hour": 2, "minute": 37}
